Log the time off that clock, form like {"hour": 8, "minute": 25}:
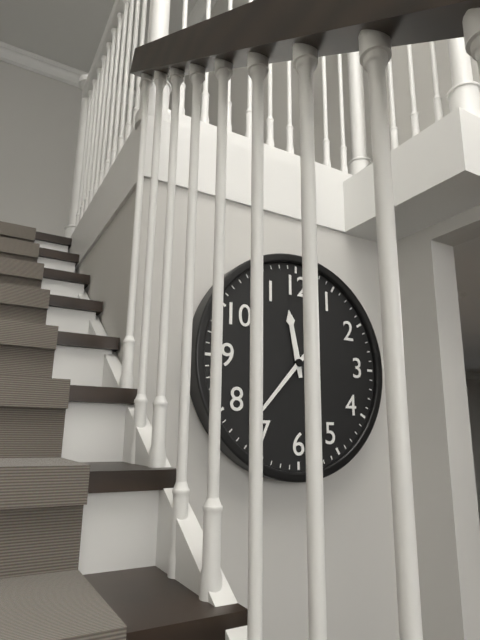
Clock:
{"hour": 11, "minute": 37}
